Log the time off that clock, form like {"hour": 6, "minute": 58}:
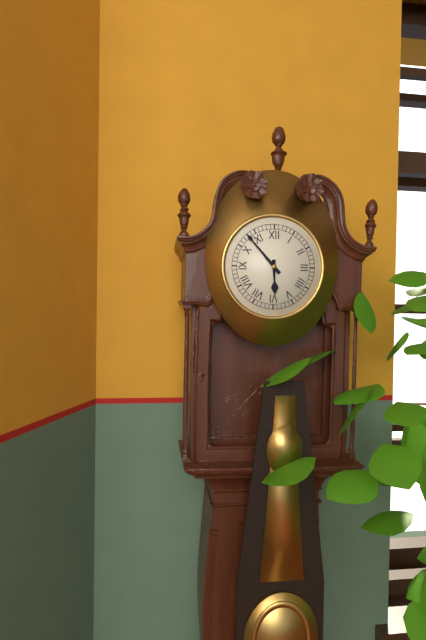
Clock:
{"hour": 5, "minute": 53}
